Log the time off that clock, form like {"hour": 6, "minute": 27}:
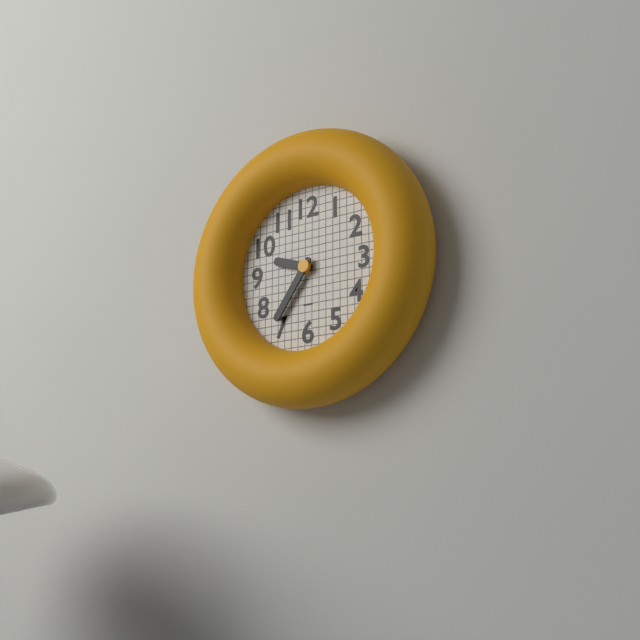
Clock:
{"hour": 9, "minute": 36}
